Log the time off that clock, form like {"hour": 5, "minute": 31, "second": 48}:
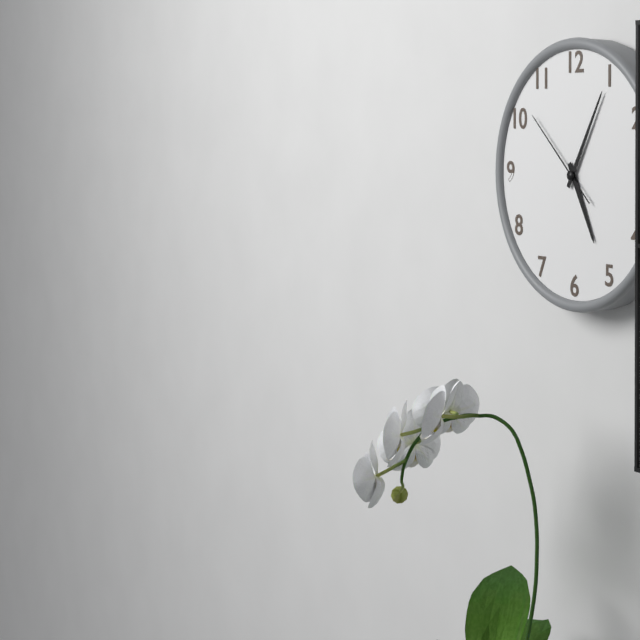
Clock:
{"hour": 5, "minute": 5, "second": 52}
